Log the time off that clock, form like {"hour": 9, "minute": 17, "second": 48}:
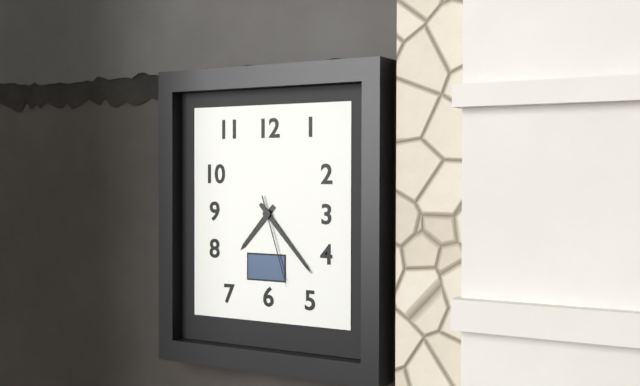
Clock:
{"hour": 7, "minute": 23, "second": 27}
